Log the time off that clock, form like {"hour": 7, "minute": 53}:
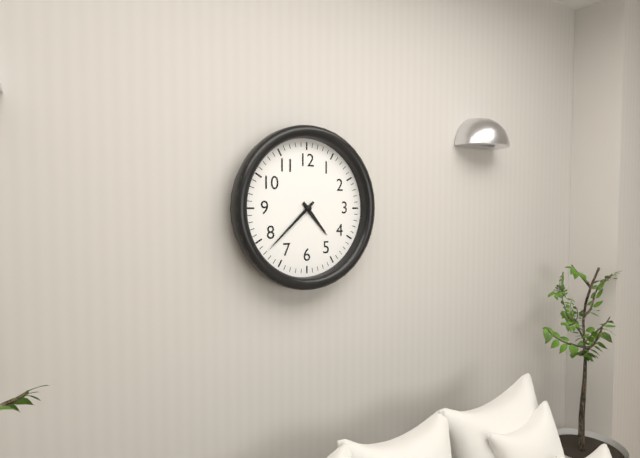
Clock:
{"hour": 4, "minute": 38}
